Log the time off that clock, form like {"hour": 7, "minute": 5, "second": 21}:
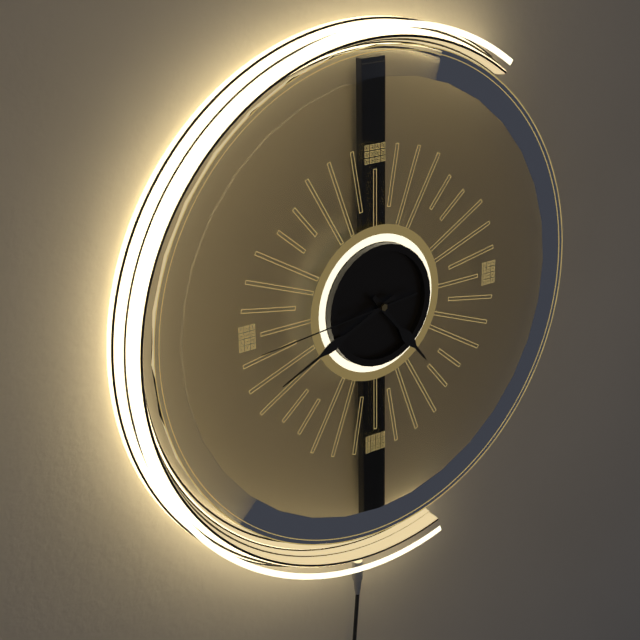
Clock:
{"hour": 4, "minute": 41, "second": 44}
